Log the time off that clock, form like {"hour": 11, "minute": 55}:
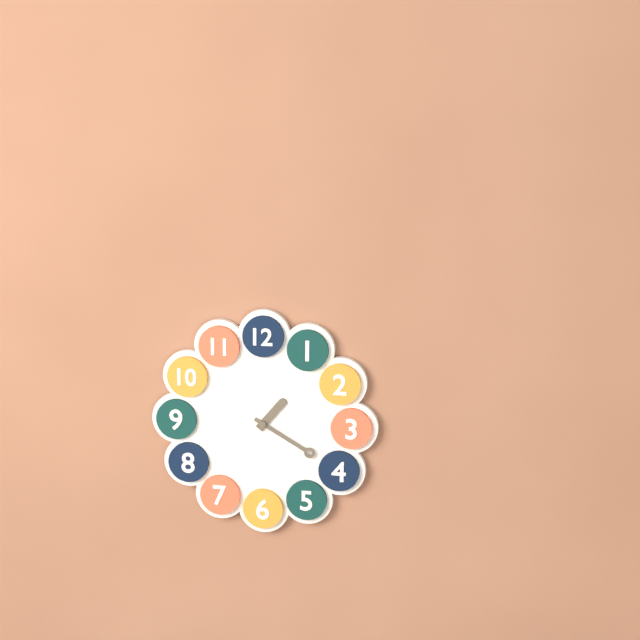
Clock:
{"hour": 1, "minute": 20}
